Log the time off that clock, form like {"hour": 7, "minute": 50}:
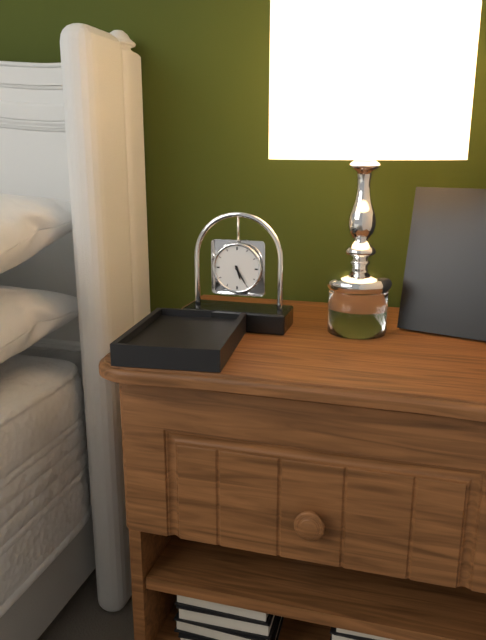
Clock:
{"hour": 5, "minute": 25}
